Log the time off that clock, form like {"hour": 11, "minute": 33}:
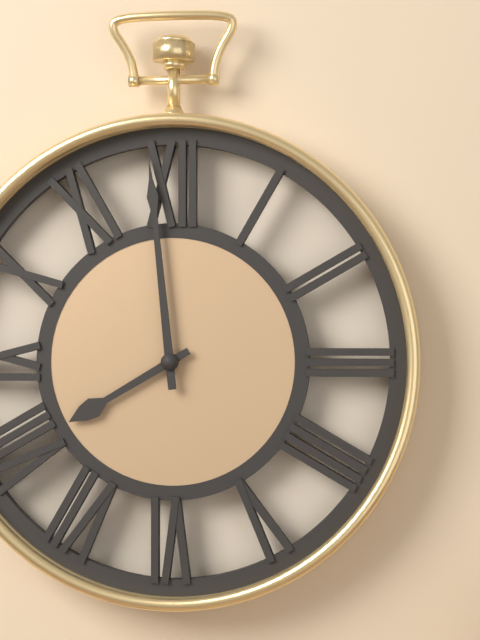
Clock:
{"hour": 7, "minute": 59}
